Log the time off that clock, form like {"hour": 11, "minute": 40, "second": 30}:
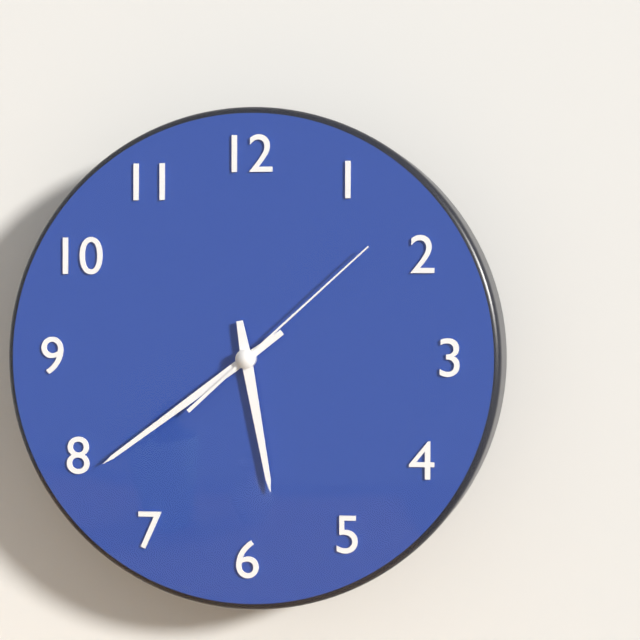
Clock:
{"hour": 5, "minute": 39, "second": 8}
